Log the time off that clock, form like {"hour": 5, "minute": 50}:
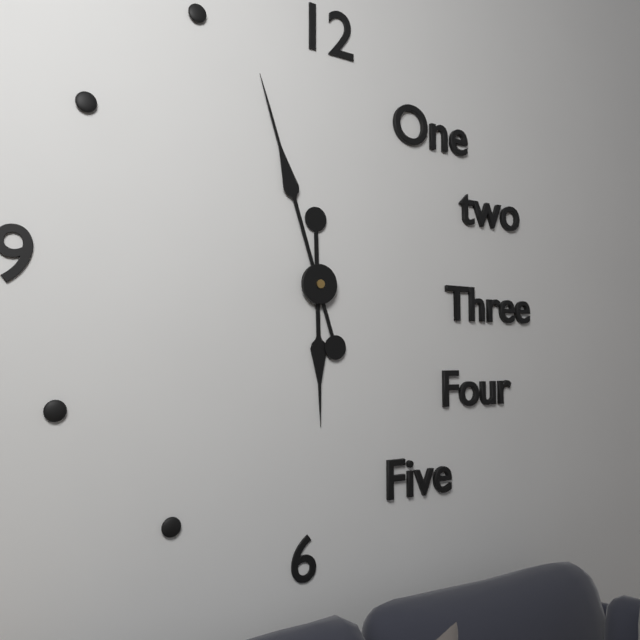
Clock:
{"hour": 5, "minute": 57}
